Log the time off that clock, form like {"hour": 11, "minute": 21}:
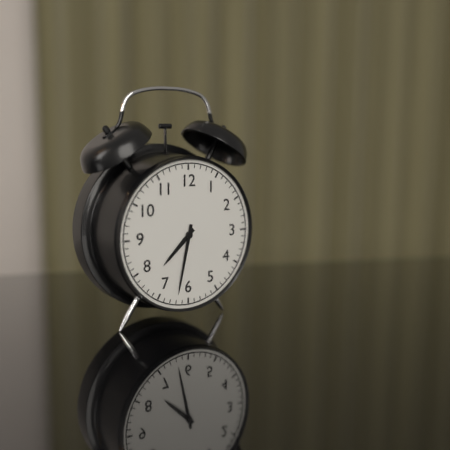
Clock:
{"hour": 7, "minute": 32}
